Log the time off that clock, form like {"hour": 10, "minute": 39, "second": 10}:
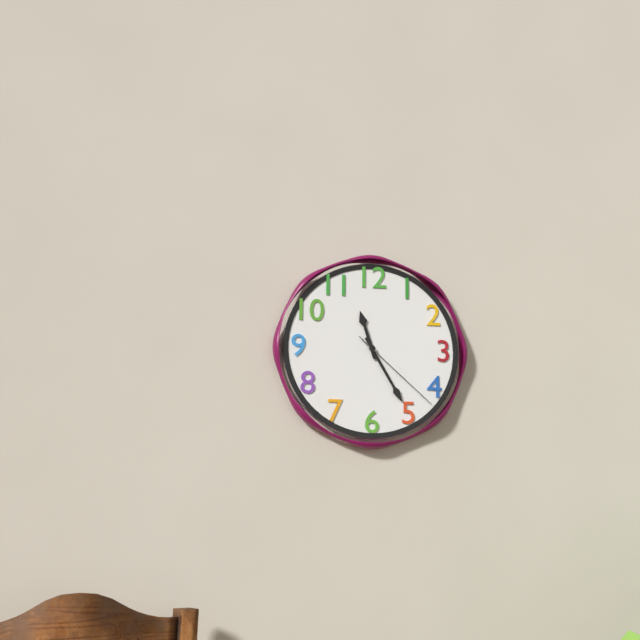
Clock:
{"hour": 11, "minute": 25, "second": 22}
